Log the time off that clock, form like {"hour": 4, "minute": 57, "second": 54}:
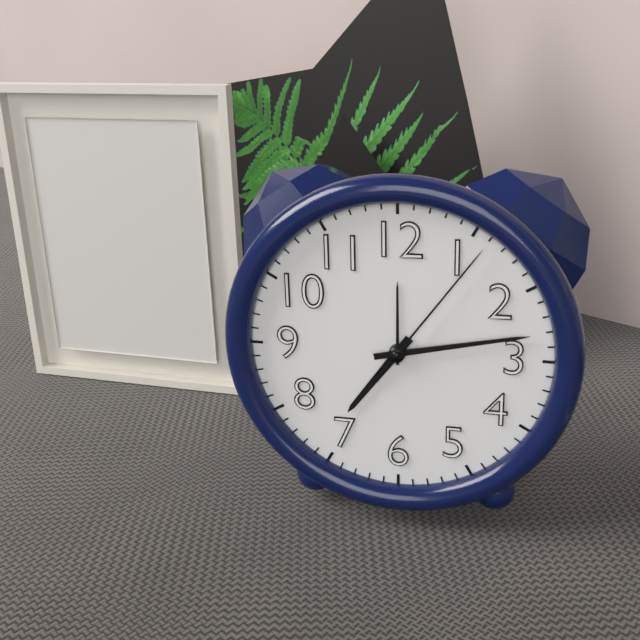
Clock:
{"hour": 7, "minute": 13, "second": 6}
